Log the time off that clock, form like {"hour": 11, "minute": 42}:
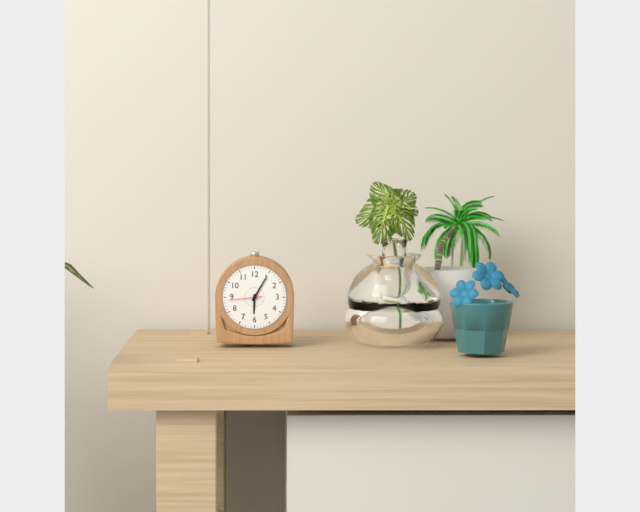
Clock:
{"hour": 6, "minute": 5}
